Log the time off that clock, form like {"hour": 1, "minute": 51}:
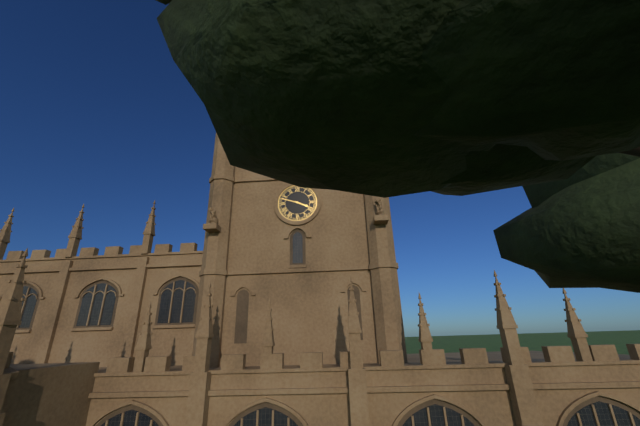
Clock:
{"hour": 3, "minute": 48}
